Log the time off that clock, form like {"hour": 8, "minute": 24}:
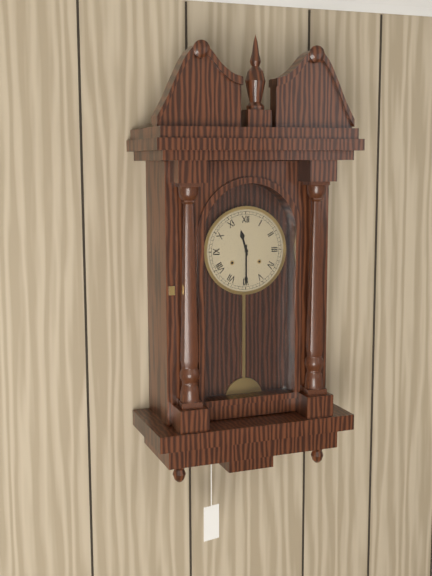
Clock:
{"hour": 11, "minute": 30}
